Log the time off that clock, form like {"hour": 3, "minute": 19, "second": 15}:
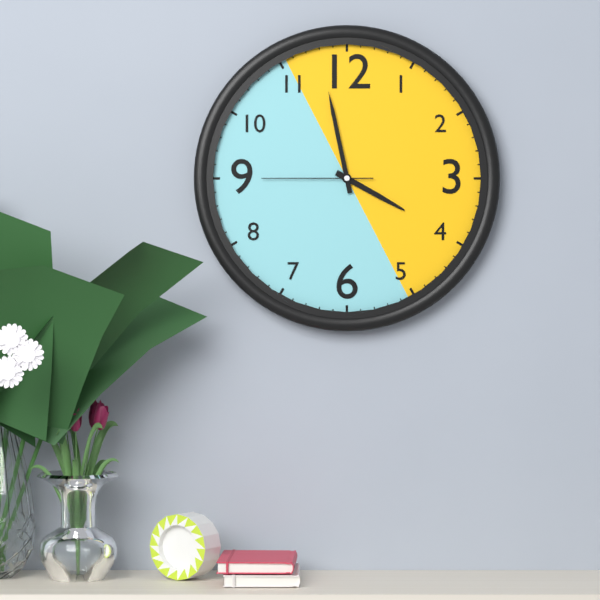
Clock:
{"hour": 3, "minute": 58, "second": 45}
